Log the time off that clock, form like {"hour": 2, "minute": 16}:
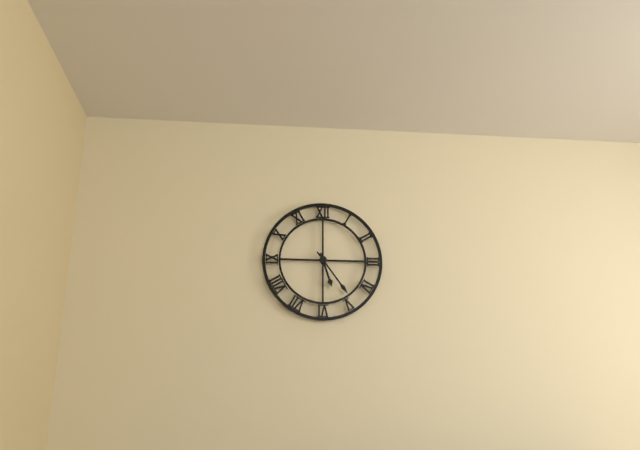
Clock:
{"hour": 5, "minute": 24}
